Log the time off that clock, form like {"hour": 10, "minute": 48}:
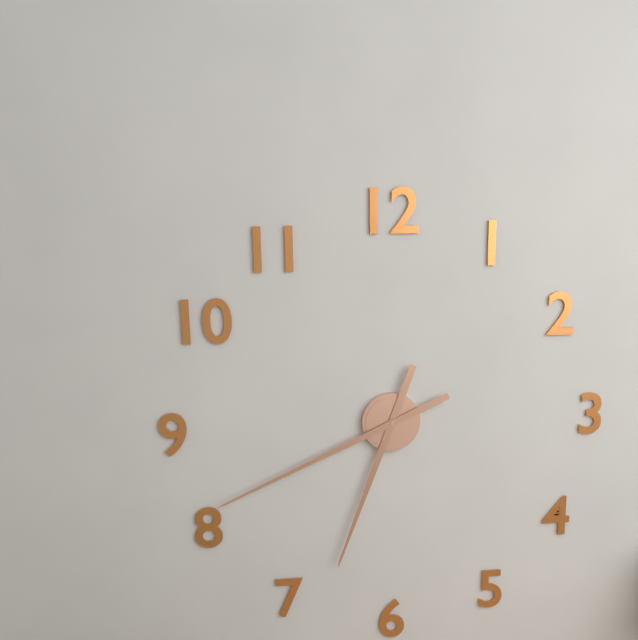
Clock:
{"hour": 6, "minute": 41}
